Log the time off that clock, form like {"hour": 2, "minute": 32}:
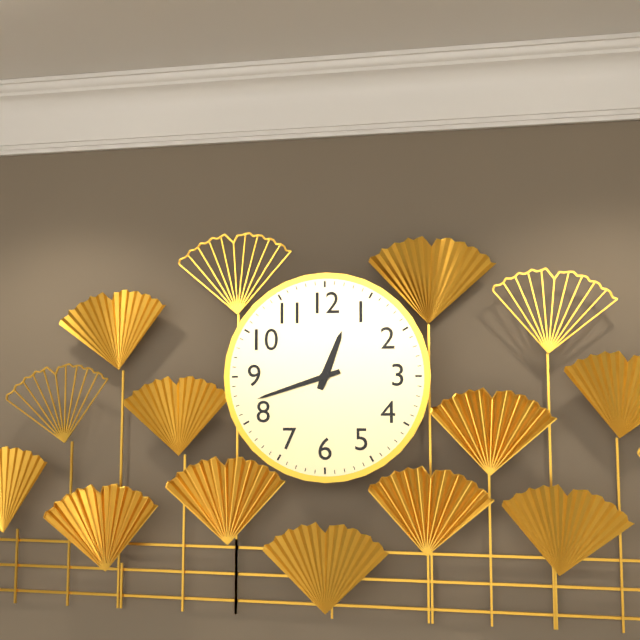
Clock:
{"hour": 12, "minute": 42}
